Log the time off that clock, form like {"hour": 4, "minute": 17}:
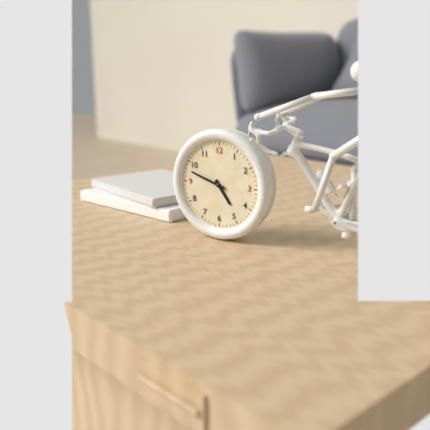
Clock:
{"hour": 4, "minute": 48}
